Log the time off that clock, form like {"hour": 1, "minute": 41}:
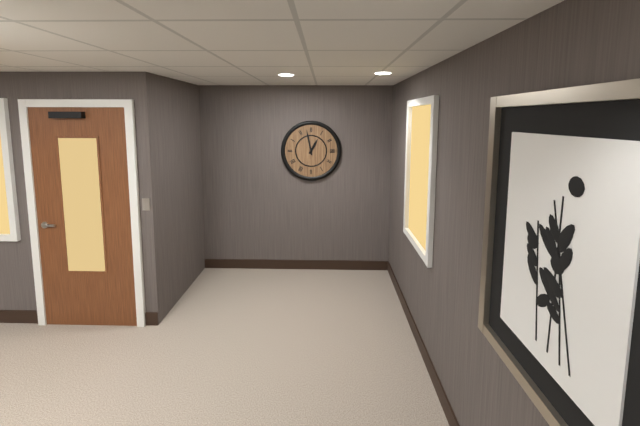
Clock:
{"hour": 12, "minute": 58}
